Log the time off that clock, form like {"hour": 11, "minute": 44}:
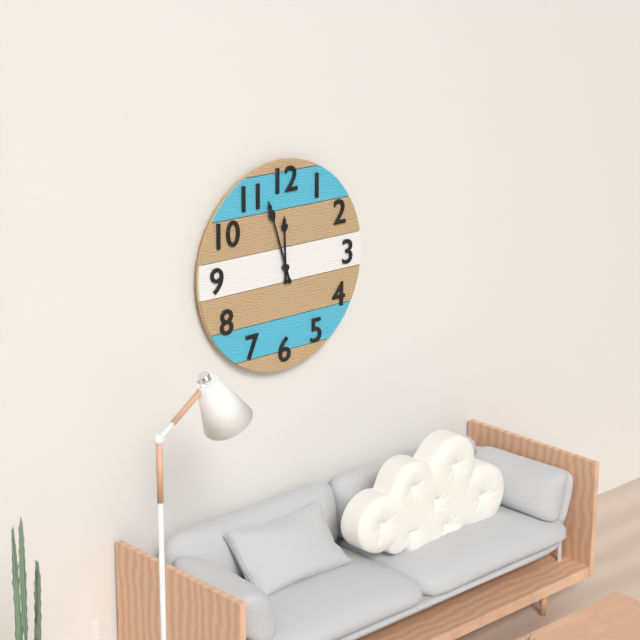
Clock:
{"hour": 11, "minute": 57}
